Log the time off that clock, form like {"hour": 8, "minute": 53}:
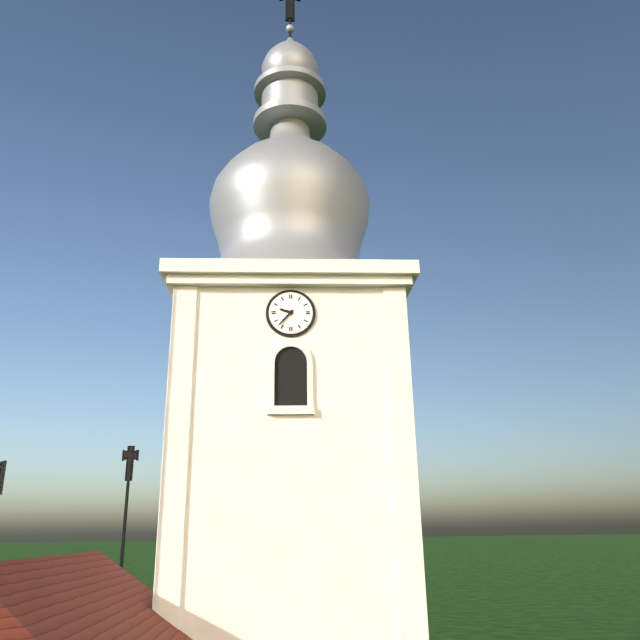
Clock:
{"hour": 9, "minute": 37}
